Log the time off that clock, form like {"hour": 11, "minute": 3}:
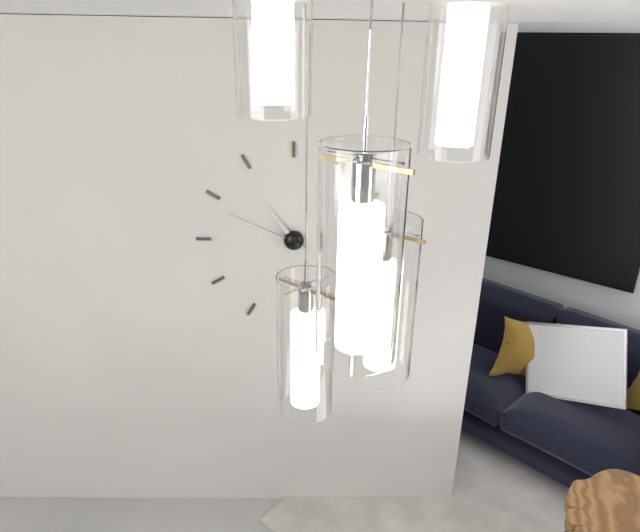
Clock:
{"hour": 10, "minute": 49}
